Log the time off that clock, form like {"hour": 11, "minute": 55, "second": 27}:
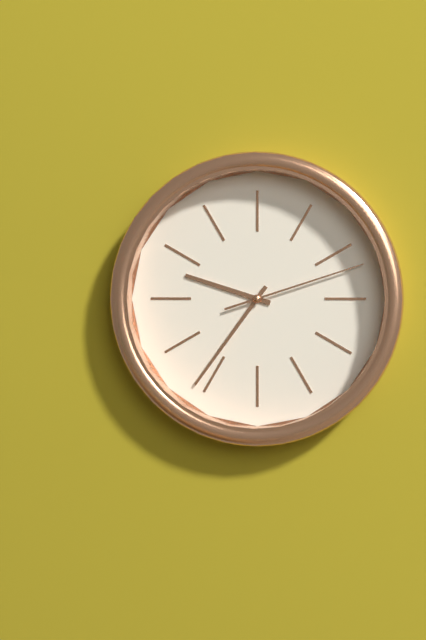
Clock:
{"hour": 9, "minute": 36, "second": 12}
